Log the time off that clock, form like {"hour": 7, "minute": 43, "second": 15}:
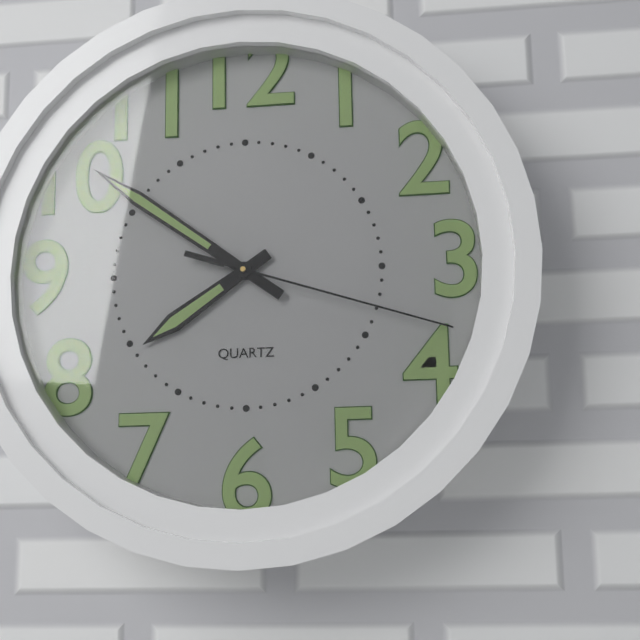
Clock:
{"hour": 7, "minute": 51, "second": 18}
